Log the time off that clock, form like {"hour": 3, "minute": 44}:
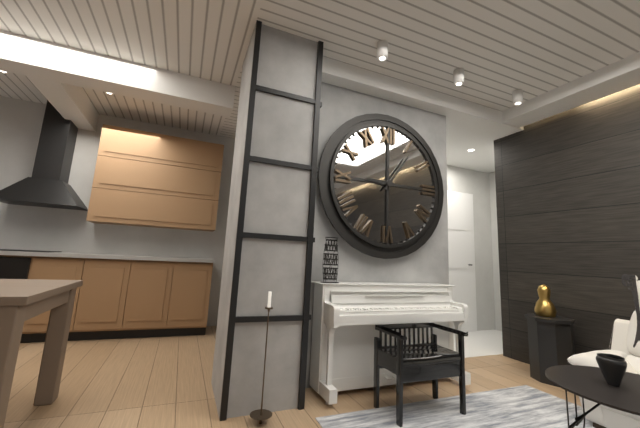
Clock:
{"hour": 9, "minute": 6}
